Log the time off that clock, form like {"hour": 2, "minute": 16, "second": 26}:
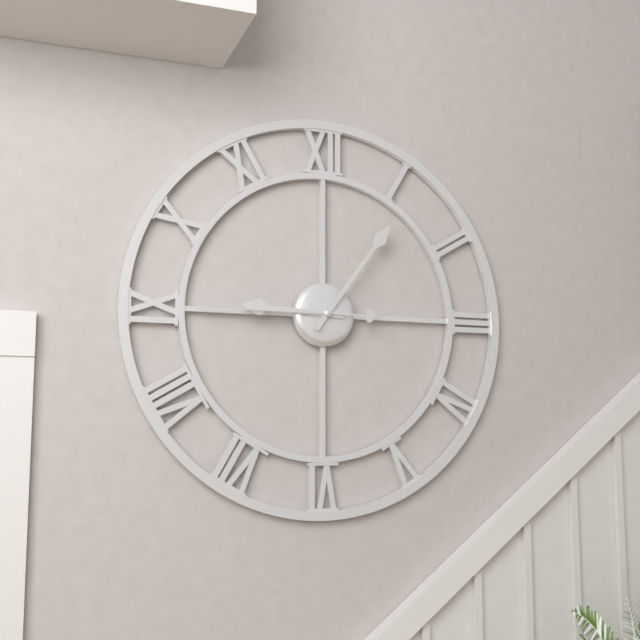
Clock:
{"hour": 9, "minute": 6, "second": 45}
